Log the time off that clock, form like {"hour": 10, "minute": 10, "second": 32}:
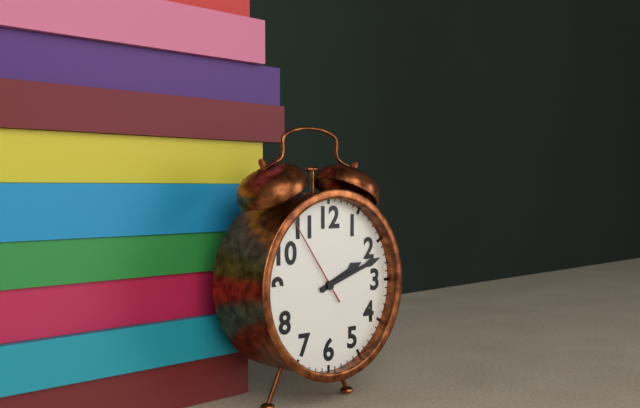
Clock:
{"hour": 2, "minute": 12, "second": 54}
